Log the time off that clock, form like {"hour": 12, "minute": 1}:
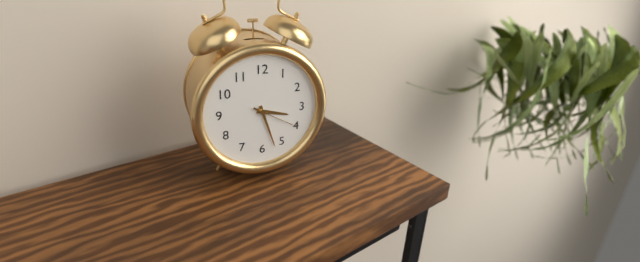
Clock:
{"hour": 3, "minute": 27}
